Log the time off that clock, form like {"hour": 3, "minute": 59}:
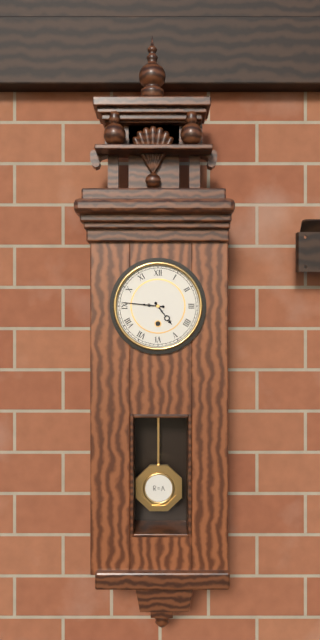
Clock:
{"hour": 4, "minute": 46}
